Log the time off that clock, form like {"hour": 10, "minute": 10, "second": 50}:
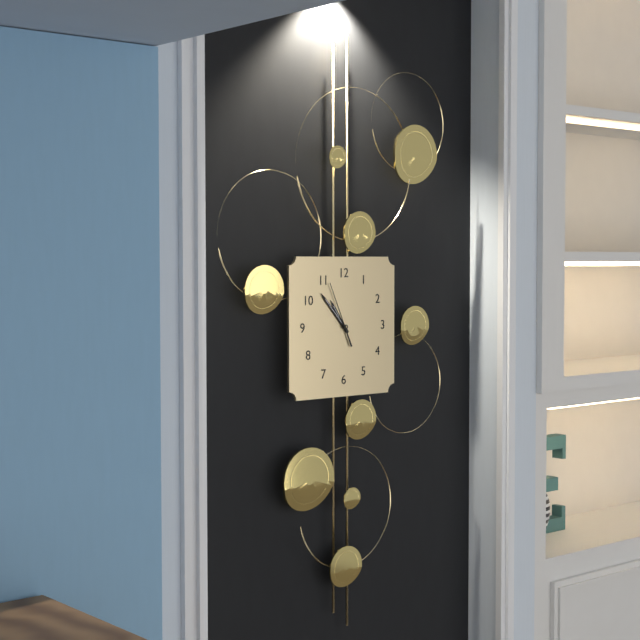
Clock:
{"hour": 10, "minute": 53, "second": 56}
